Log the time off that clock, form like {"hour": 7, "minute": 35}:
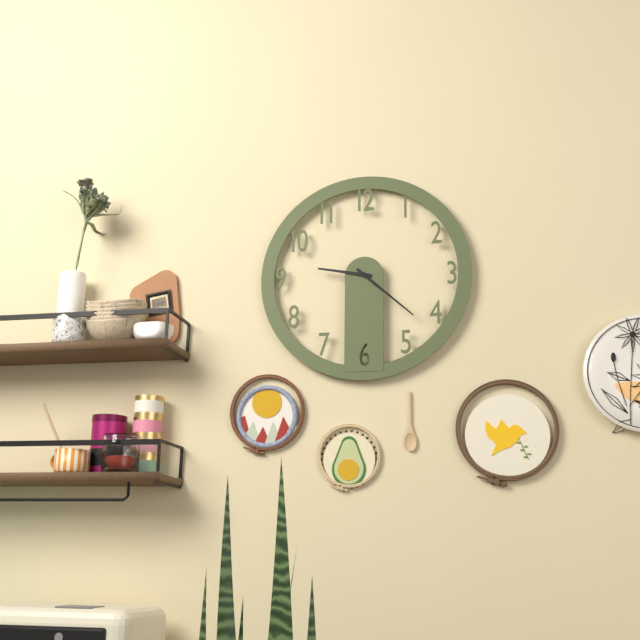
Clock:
{"hour": 9, "minute": 22}
